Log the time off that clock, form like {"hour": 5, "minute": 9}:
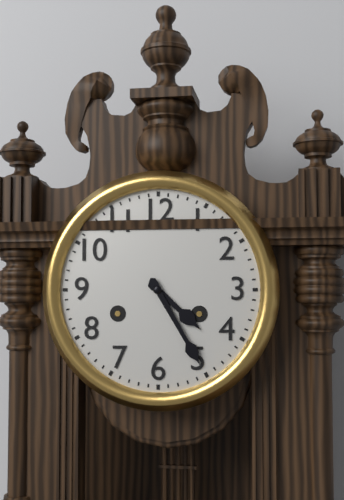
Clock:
{"hour": 4, "minute": 25}
